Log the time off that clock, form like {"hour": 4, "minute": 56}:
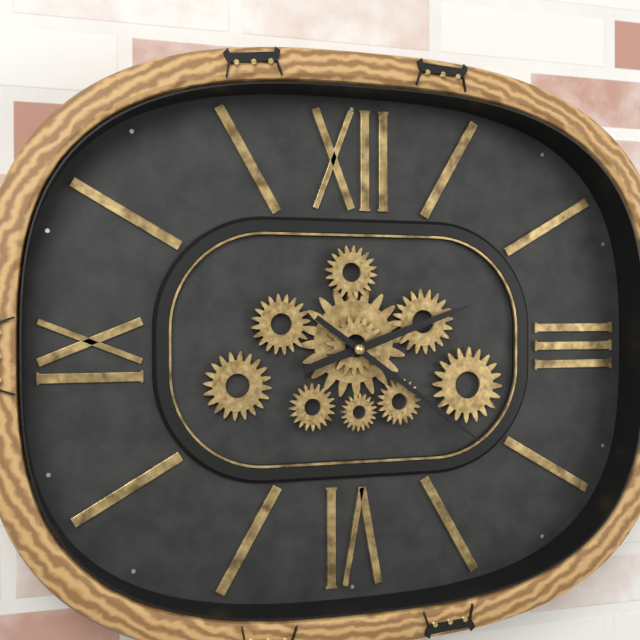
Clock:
{"hour": 2, "minute": 21}
